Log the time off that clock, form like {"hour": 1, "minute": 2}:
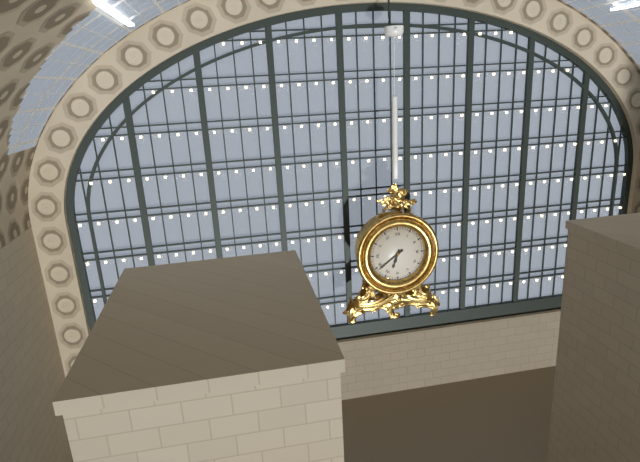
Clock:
{"hour": 6, "minute": 39}
